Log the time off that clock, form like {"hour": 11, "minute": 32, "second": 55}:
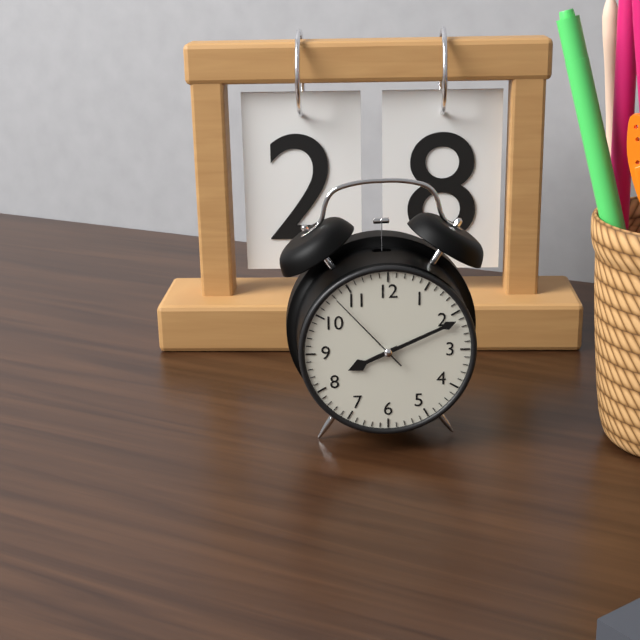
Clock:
{"hour": 8, "minute": 11, "second": 53}
